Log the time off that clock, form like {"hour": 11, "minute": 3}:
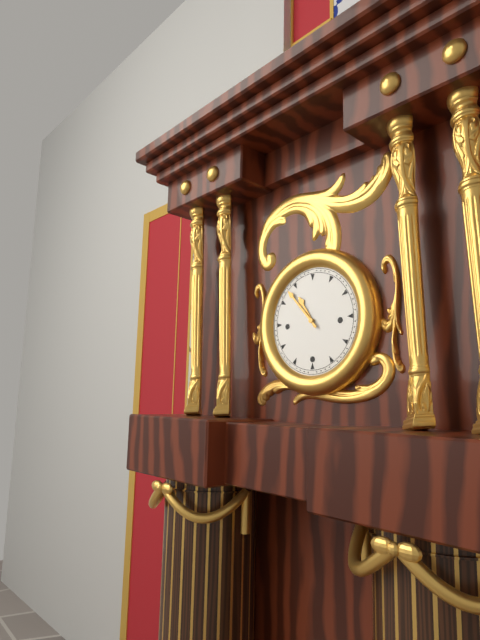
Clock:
{"hour": 10, "minute": 53}
